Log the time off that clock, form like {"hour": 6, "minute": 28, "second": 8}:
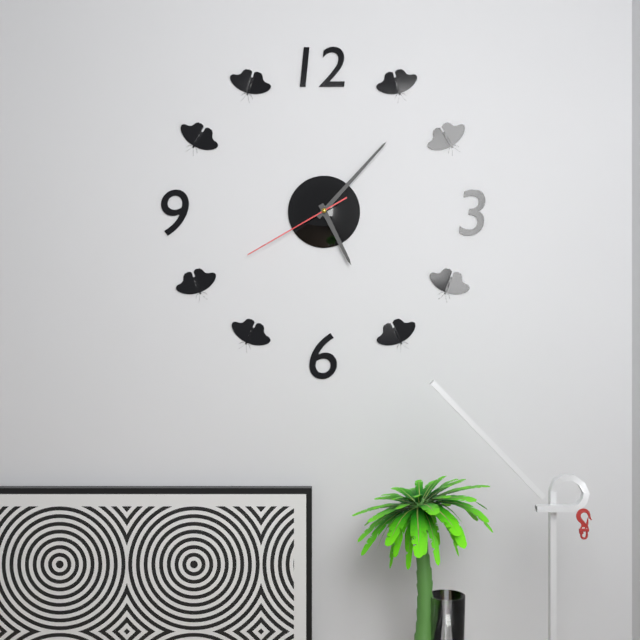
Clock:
{"hour": 5, "minute": 7, "second": 40}
